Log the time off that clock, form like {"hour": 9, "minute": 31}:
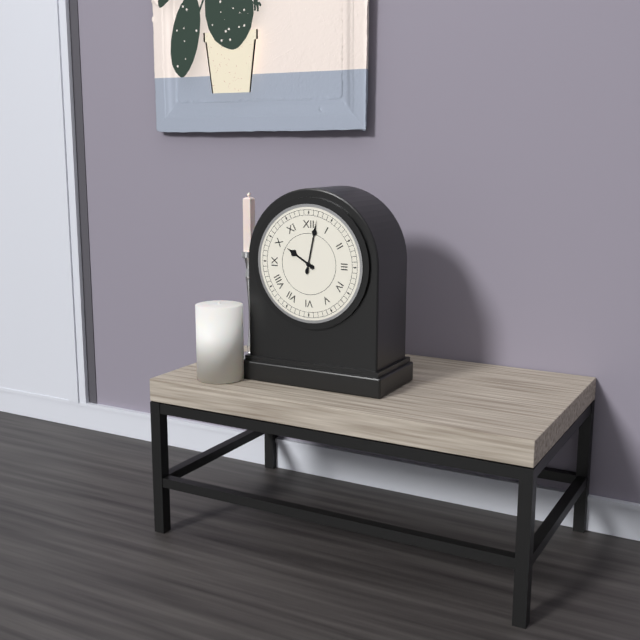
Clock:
{"hour": 10, "minute": 2}
